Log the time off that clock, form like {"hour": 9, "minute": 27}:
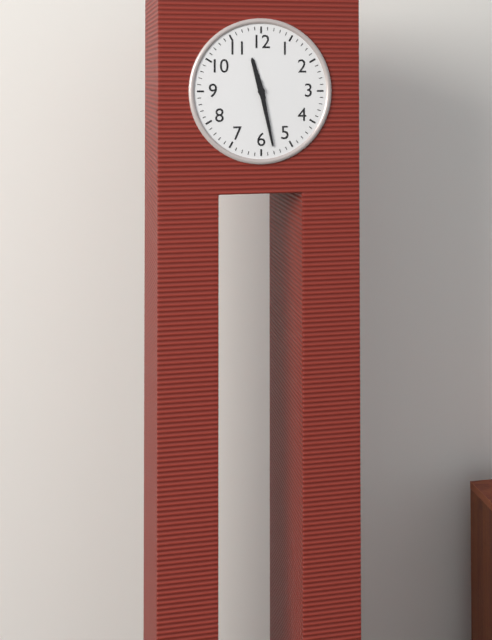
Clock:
{"hour": 11, "minute": 28}
